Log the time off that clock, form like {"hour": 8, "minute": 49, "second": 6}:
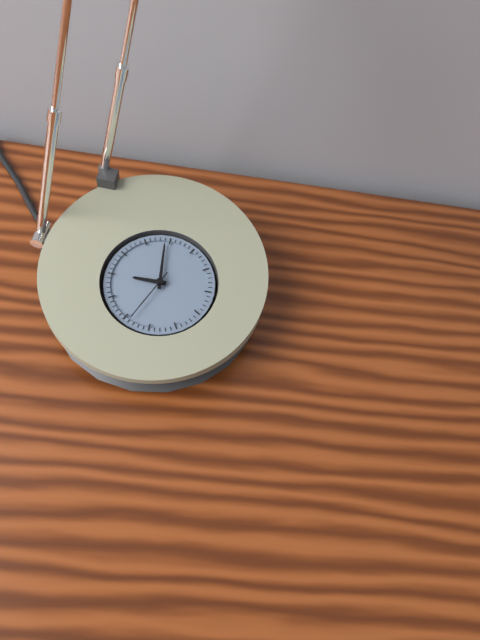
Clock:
{"hour": 8, "minute": 59, "second": 34}
